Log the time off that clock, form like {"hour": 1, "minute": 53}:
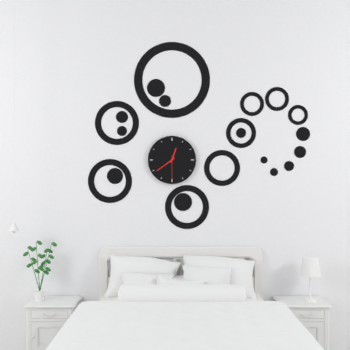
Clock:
{"hour": 12, "minute": 39}
